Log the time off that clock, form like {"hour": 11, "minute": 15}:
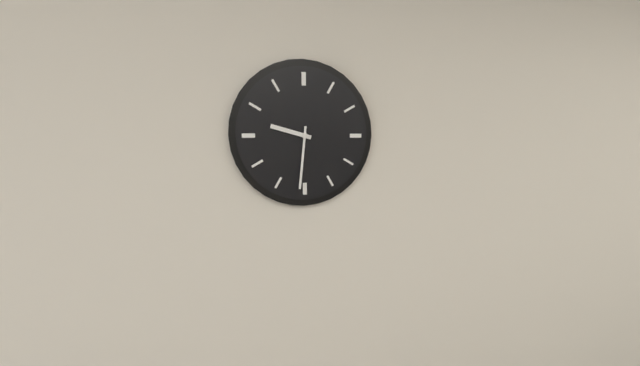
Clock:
{"hour": 9, "minute": 31}
